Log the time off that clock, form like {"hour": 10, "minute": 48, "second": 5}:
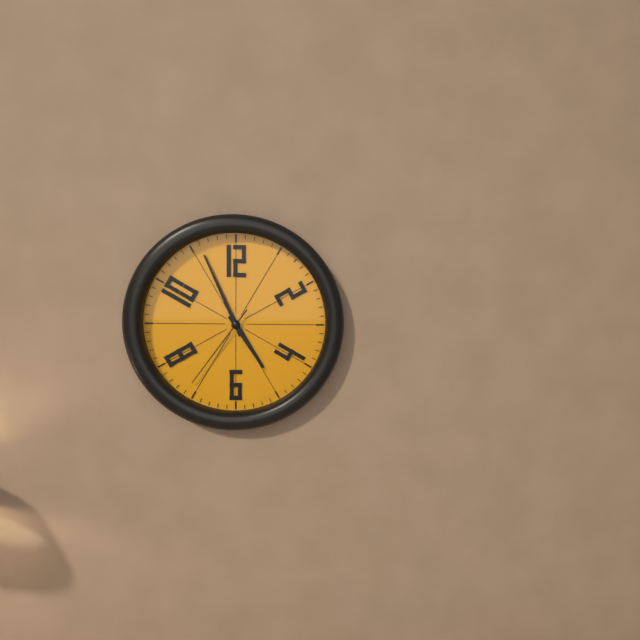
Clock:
{"hour": 4, "minute": 56, "second": 36}
